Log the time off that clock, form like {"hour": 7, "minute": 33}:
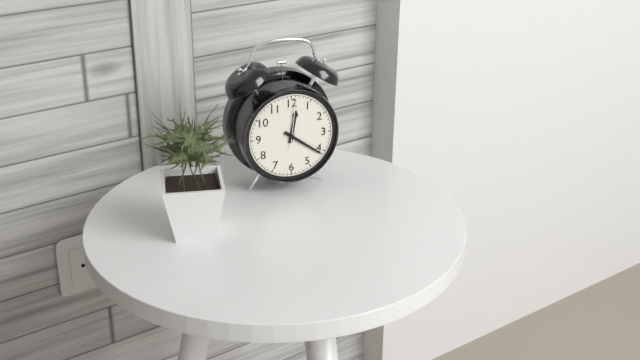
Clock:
{"hour": 12, "minute": 21}
